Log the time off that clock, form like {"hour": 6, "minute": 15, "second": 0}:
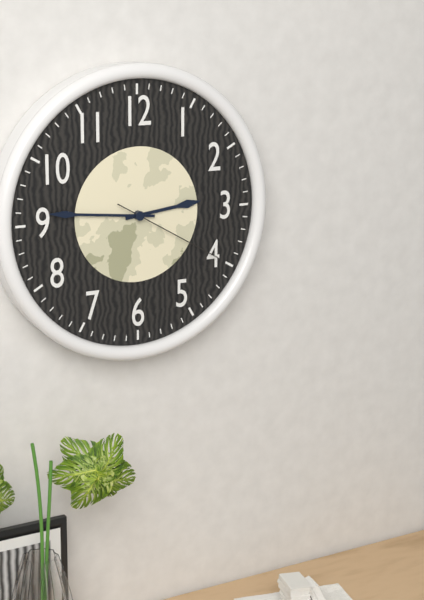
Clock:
{"hour": 2, "minute": 46, "second": 20}
